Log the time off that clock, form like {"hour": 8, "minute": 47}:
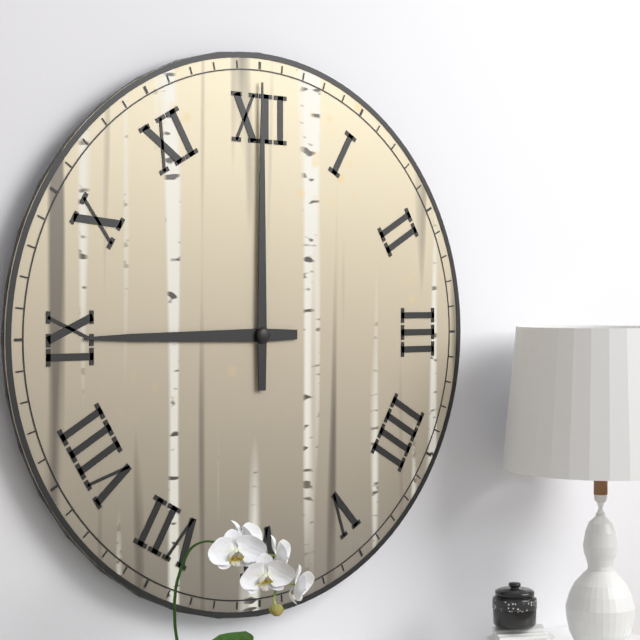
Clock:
{"hour": 9, "minute": 0}
